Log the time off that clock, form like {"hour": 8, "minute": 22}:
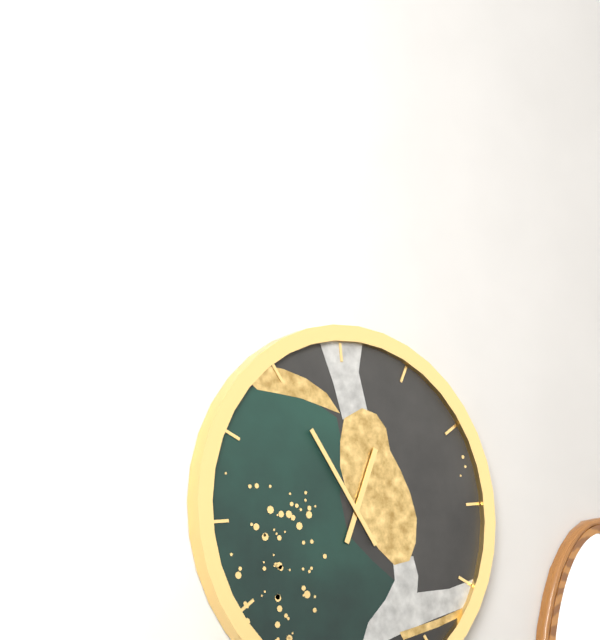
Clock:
{"hour": 12, "minute": 55}
